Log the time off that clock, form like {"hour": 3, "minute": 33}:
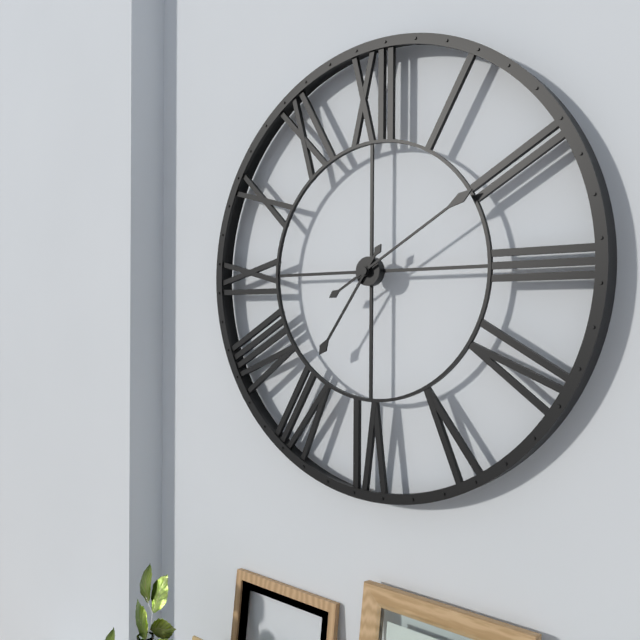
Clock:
{"hour": 7, "minute": 10}
